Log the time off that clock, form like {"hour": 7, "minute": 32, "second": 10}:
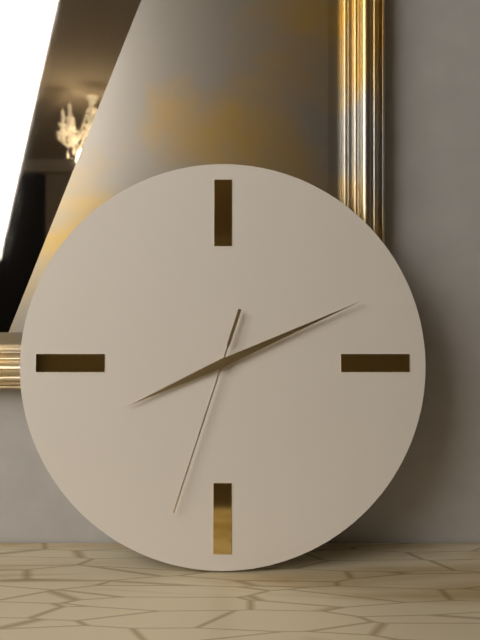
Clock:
{"hour": 8, "minute": 11, "second": 33}
